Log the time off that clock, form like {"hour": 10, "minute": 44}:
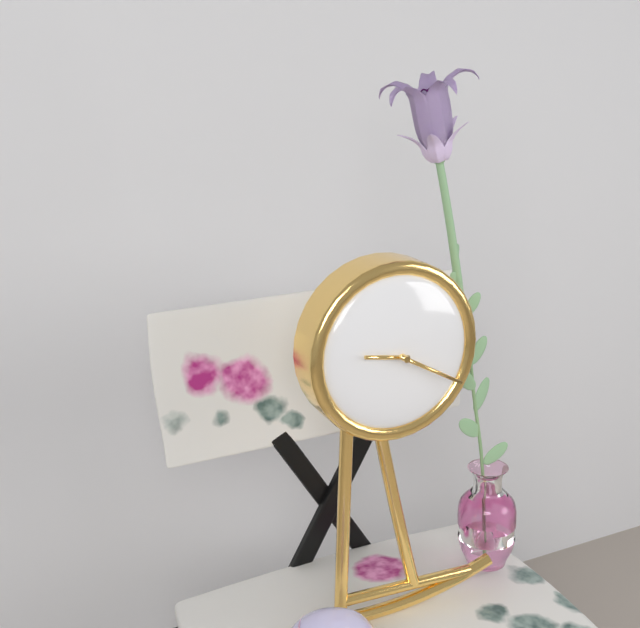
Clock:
{"hour": 9, "minute": 20}
